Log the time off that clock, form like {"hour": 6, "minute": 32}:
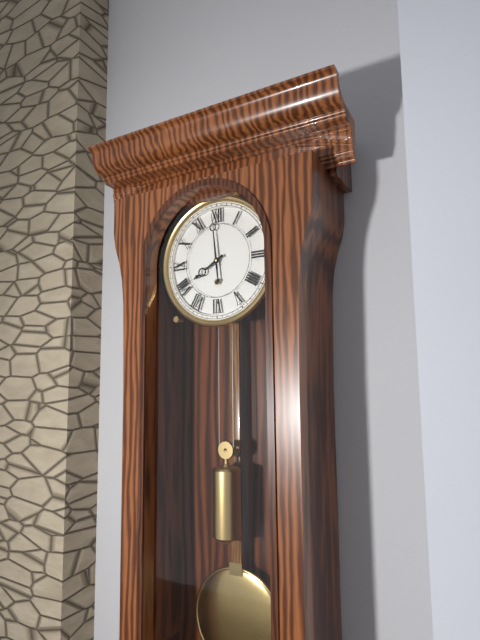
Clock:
{"hour": 7, "minute": 59}
